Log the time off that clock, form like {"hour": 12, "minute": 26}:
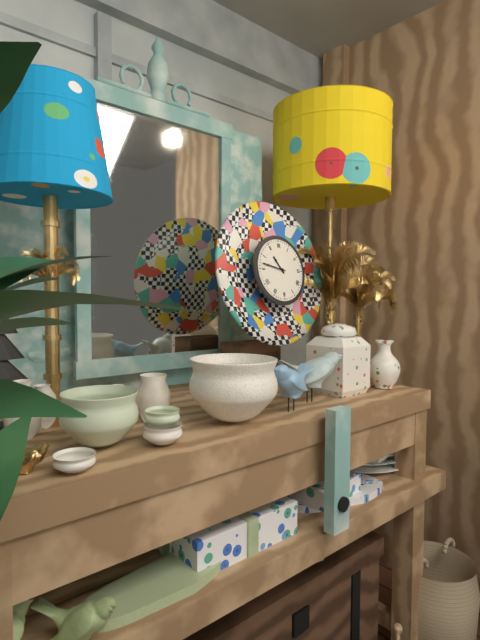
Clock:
{"hour": 10, "minute": 47}
